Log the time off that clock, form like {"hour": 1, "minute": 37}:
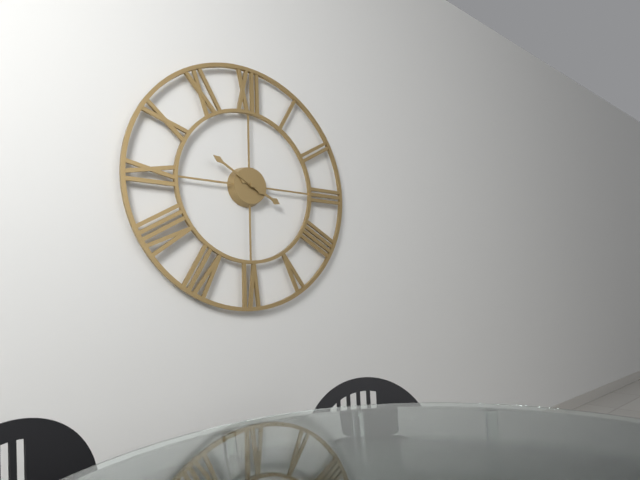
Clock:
{"hour": 3, "minute": 50}
